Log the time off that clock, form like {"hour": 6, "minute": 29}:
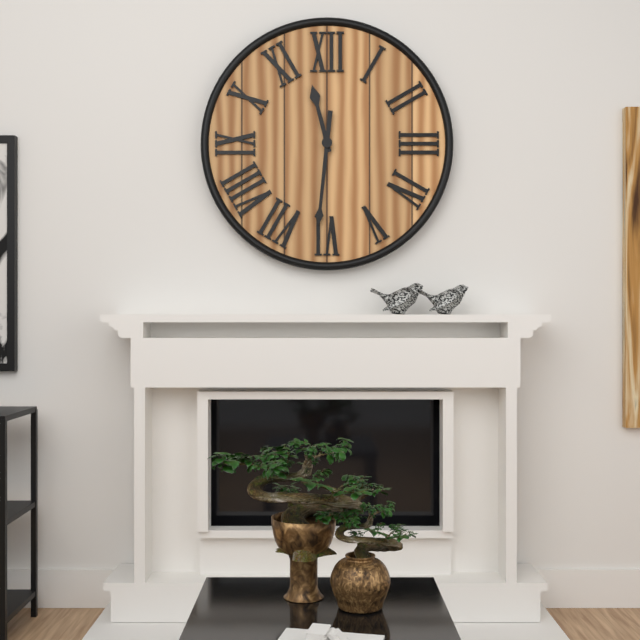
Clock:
{"hour": 11, "minute": 31}
